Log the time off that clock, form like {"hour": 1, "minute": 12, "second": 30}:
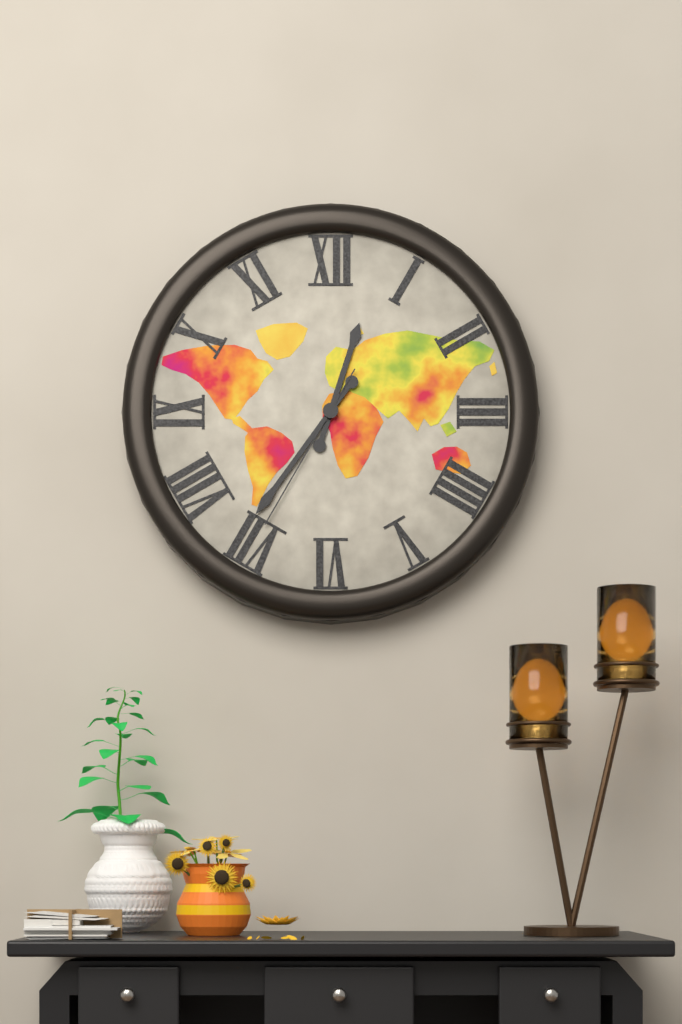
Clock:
{"hour": 12, "minute": 36, "second": 35}
